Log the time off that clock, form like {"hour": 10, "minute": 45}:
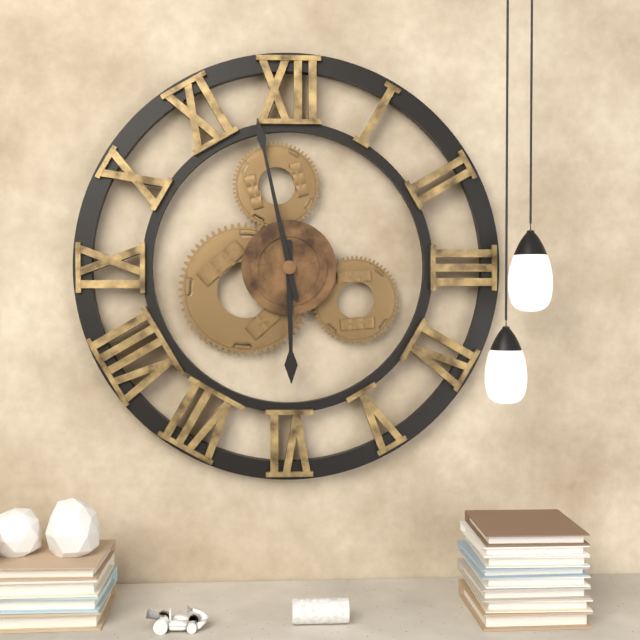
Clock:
{"hour": 5, "minute": 58}
